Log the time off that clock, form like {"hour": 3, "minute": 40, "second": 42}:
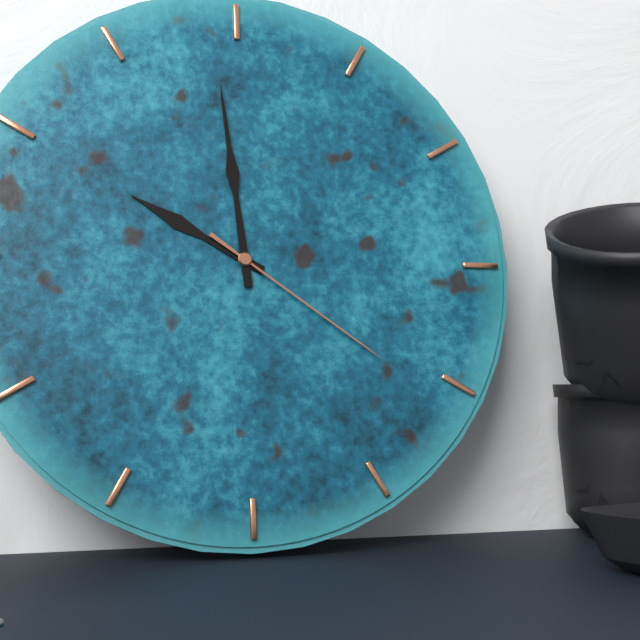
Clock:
{"hour": 9, "minute": 59, "second": 21}
